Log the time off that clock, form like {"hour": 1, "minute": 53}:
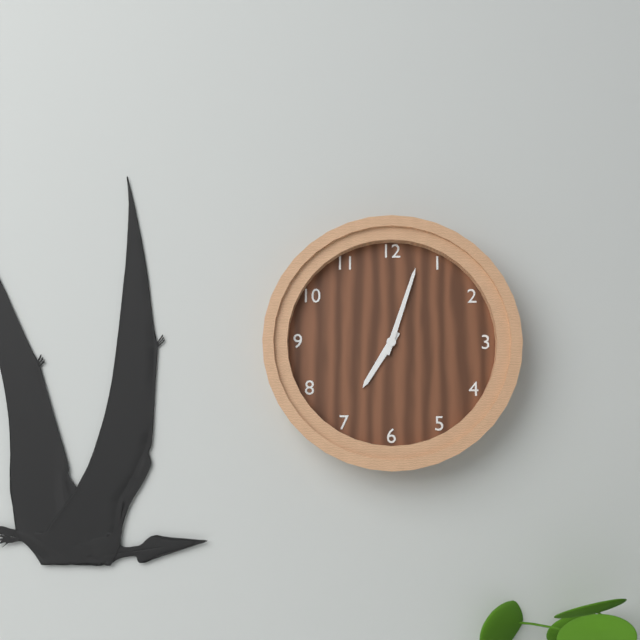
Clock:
{"hour": 7, "minute": 3}
